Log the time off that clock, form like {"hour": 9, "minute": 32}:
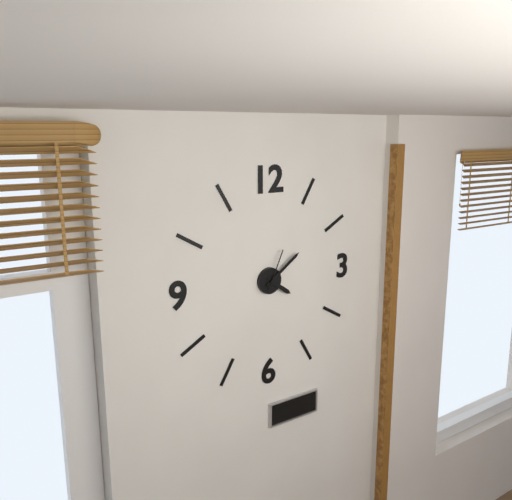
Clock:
{"hour": 4, "minute": 9}
